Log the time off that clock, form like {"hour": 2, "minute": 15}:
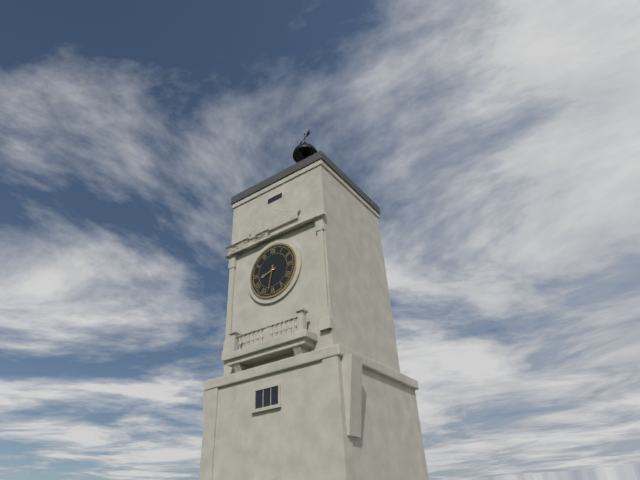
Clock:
{"hour": 8, "minute": 32}
